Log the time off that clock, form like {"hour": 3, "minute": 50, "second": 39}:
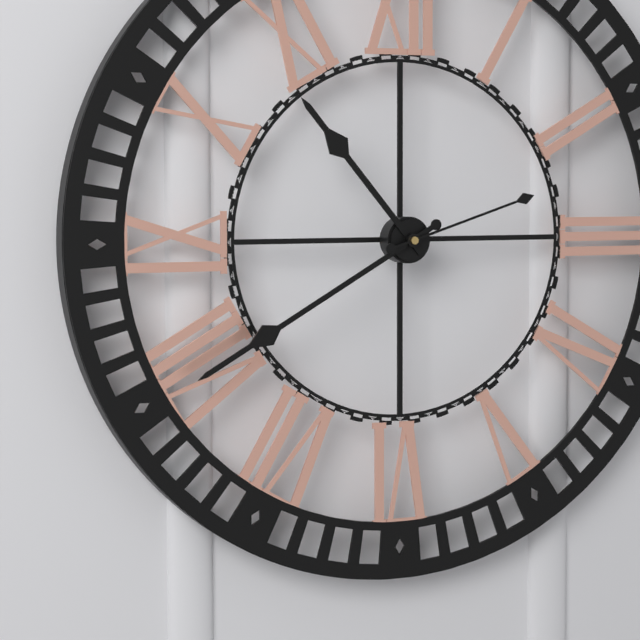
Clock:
{"hour": 10, "minute": 40, "second": 12}
